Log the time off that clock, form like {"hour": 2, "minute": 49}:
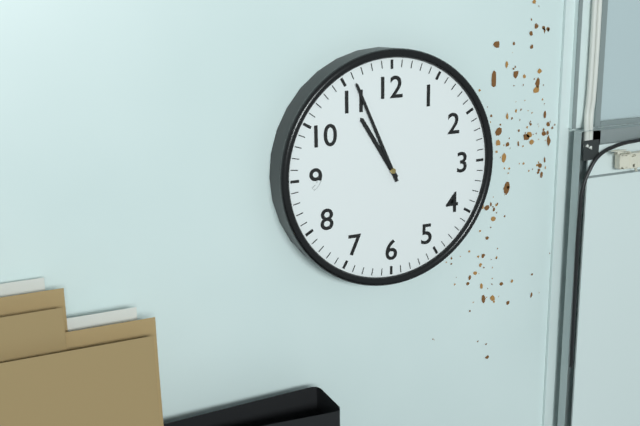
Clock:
{"hour": 10, "minute": 56}
